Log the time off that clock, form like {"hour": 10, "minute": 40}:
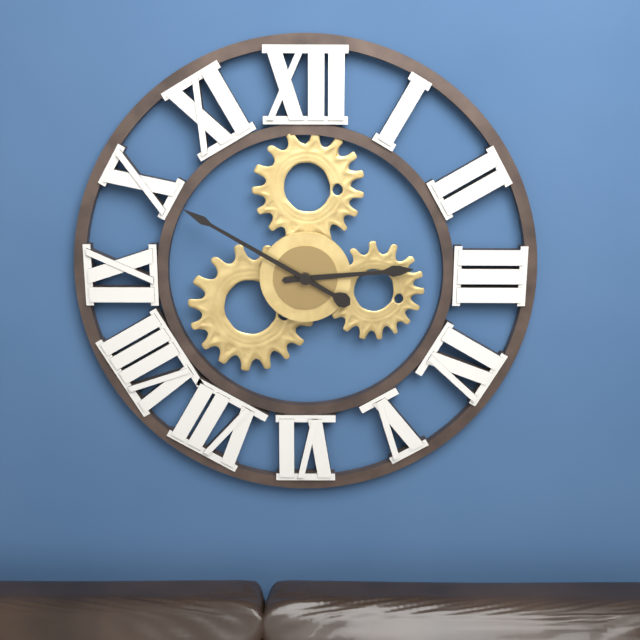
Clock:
{"hour": 2, "minute": 50}
